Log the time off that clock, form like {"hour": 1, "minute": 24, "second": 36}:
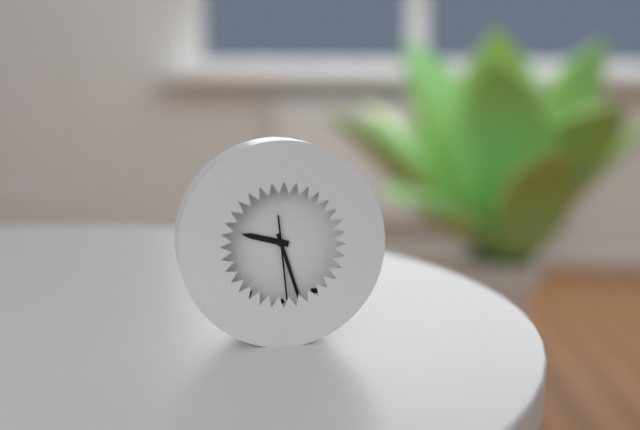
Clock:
{"hour": 9, "minute": 27, "second": 29}
